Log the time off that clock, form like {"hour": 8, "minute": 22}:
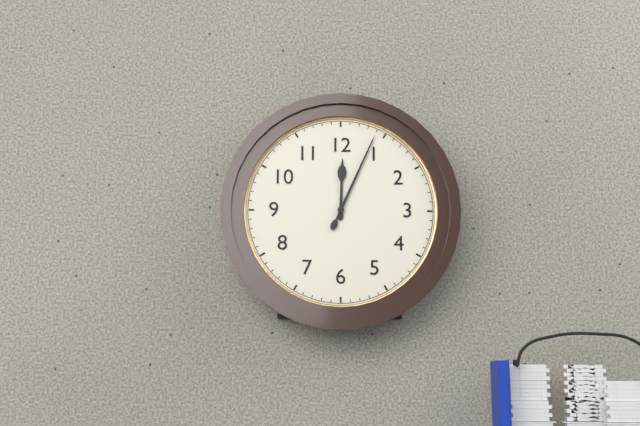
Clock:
{"hour": 12, "minute": 4}
